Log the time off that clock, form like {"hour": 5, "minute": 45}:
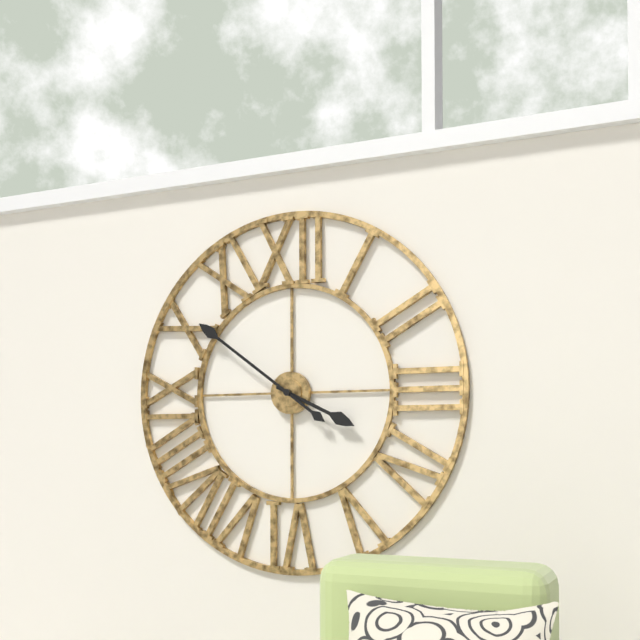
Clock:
{"hour": 3, "minute": 51}
